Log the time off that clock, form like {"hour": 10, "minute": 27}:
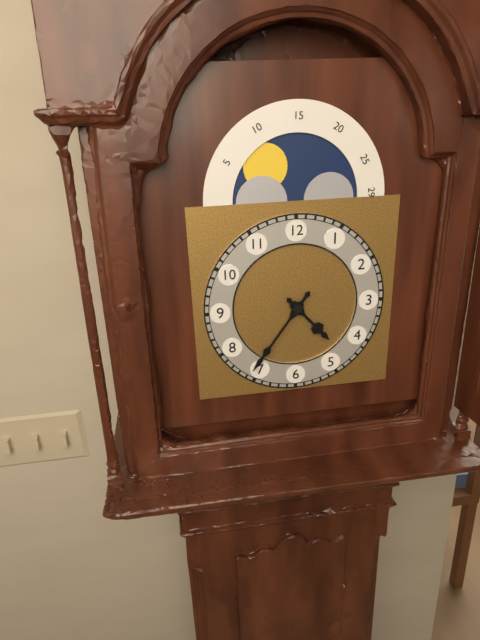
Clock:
{"hour": 4, "minute": 36}
